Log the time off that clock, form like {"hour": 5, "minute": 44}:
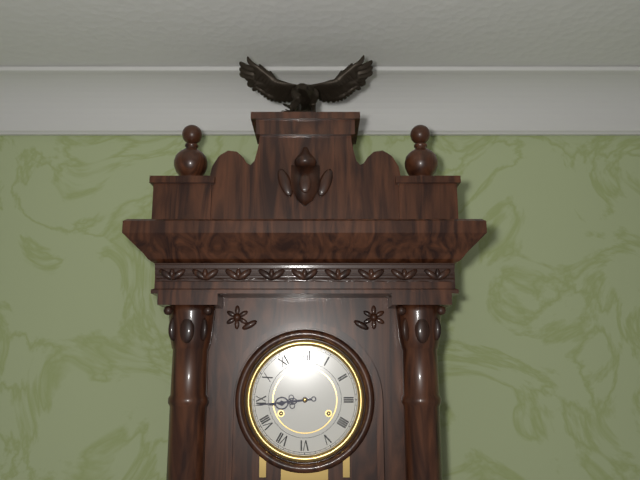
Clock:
{"hour": 8, "minute": 44}
